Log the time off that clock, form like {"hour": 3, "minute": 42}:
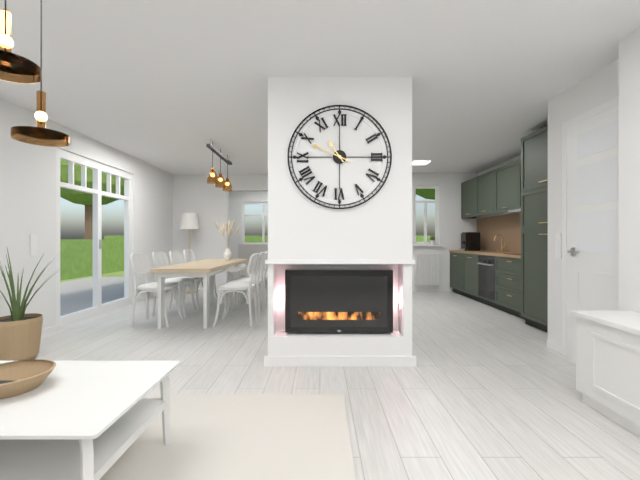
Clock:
{"hour": 10, "minute": 49}
